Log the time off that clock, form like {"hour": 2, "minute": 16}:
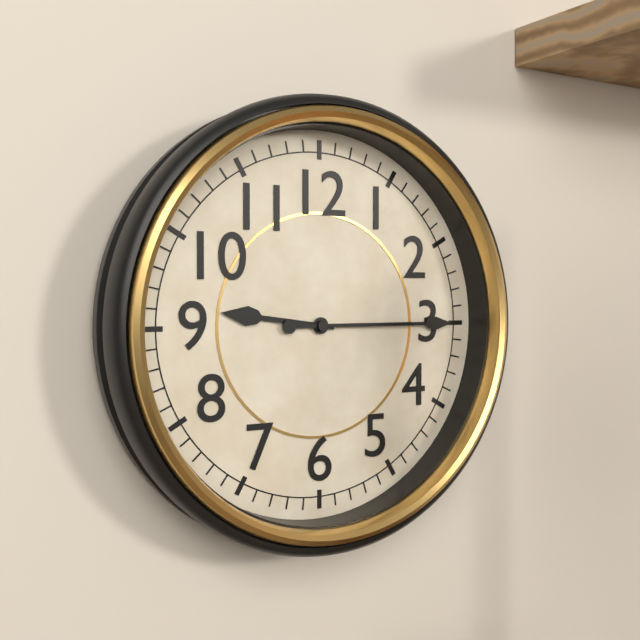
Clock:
{"hour": 9, "minute": 15}
